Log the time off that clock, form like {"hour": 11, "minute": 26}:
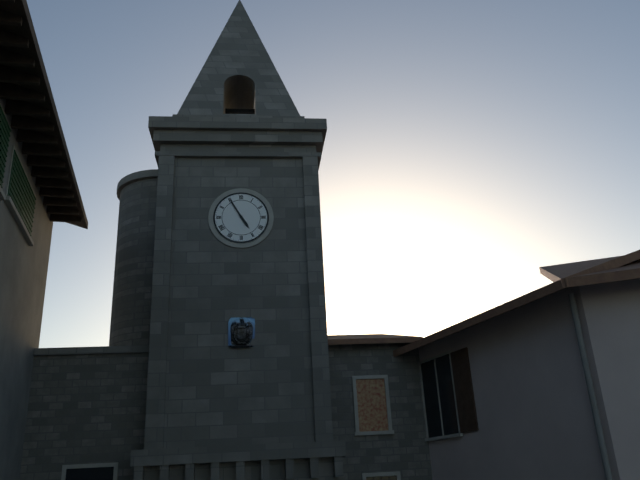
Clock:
{"hour": 4, "minute": 55}
